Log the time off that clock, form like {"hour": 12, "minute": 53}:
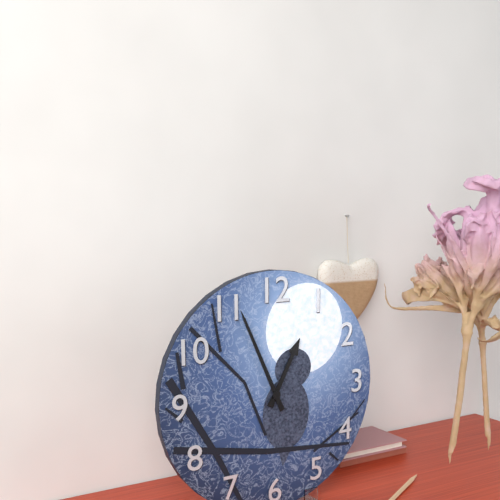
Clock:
{"hour": 12, "minute": 56}
